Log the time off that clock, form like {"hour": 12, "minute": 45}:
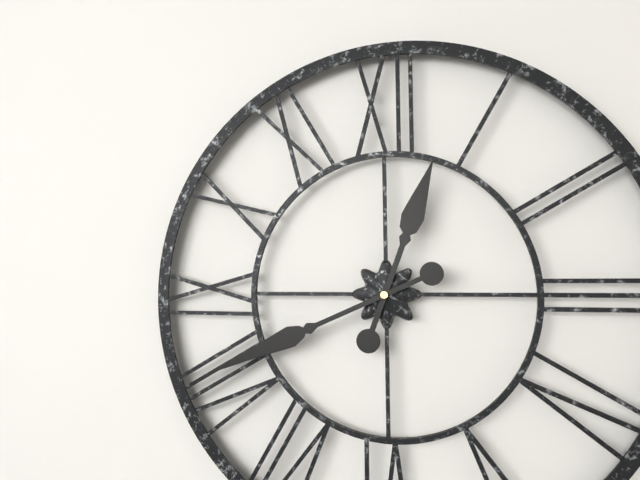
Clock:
{"hour": 12, "minute": 41}
